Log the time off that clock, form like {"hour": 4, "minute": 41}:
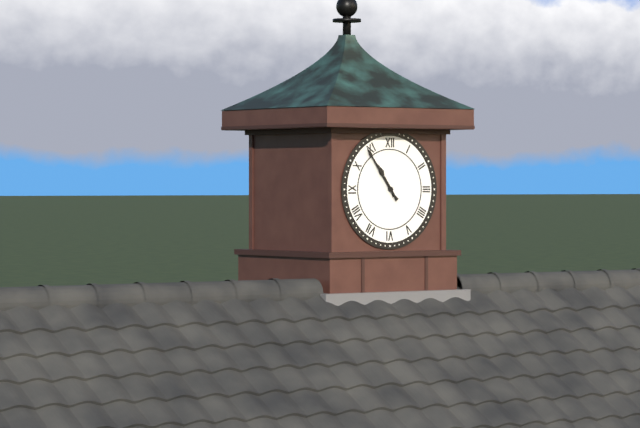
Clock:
{"hour": 10, "minute": 54}
